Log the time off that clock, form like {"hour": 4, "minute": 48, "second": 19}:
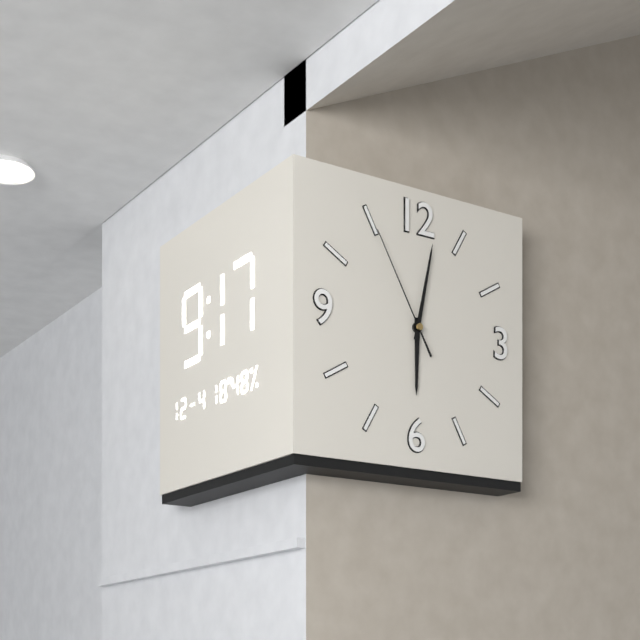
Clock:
{"hour": 6, "minute": 2, "second": 55}
